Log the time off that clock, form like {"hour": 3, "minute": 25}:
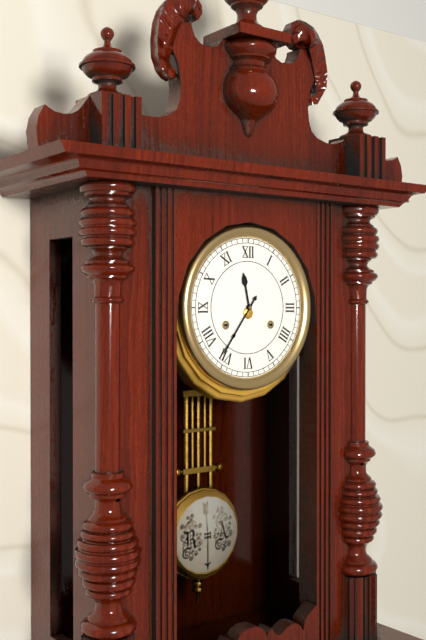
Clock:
{"hour": 11, "minute": 36}
